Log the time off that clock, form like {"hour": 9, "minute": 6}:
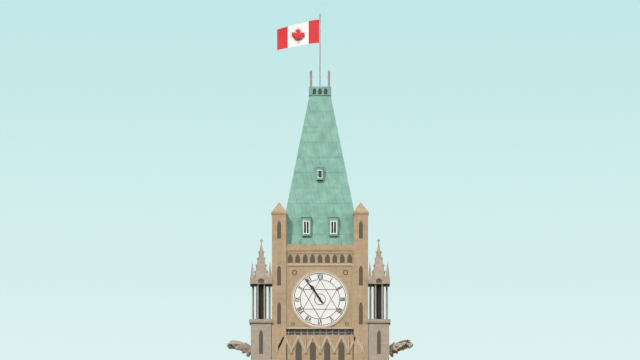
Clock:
{"hour": 10, "minute": 54}
